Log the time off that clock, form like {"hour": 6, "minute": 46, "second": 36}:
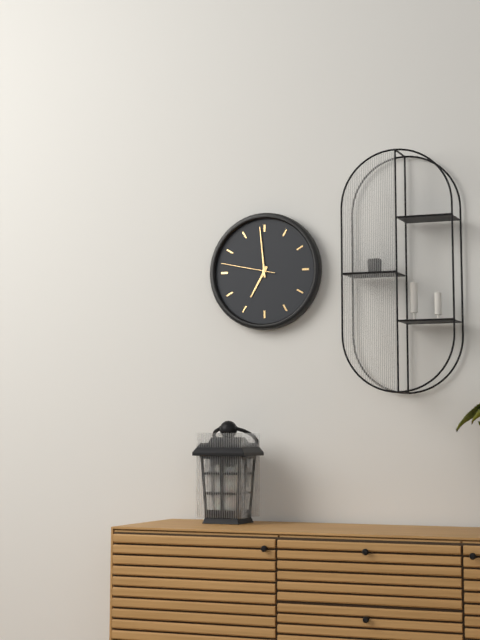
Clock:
{"hour": 6, "minute": 59, "second": 47}
